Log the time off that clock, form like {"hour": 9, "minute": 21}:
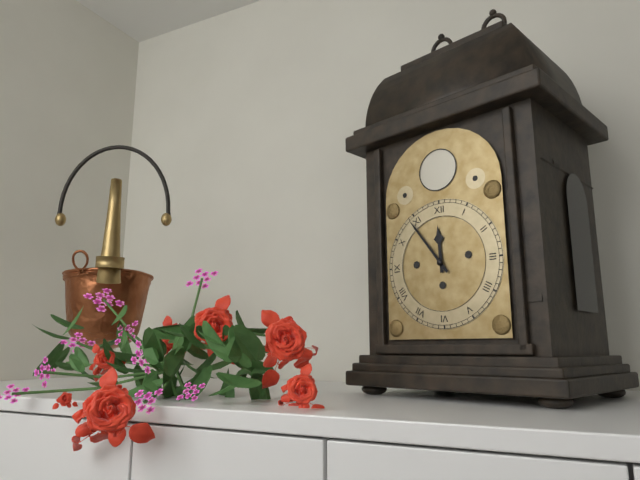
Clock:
{"hour": 11, "minute": 54}
